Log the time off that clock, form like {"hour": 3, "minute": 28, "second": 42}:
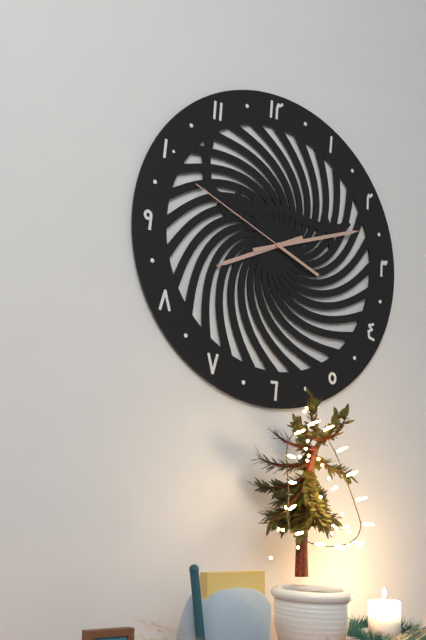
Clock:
{"hour": 8, "minute": 12, "second": 49}
